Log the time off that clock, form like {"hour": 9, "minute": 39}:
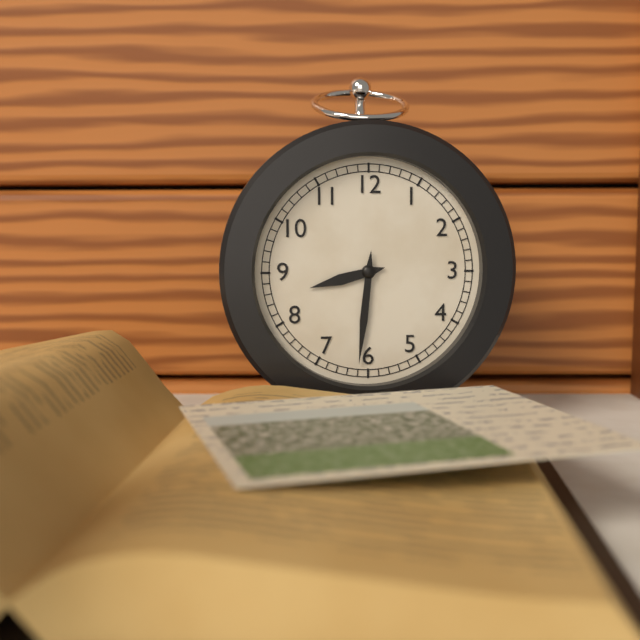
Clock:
{"hour": 8, "minute": 31}
